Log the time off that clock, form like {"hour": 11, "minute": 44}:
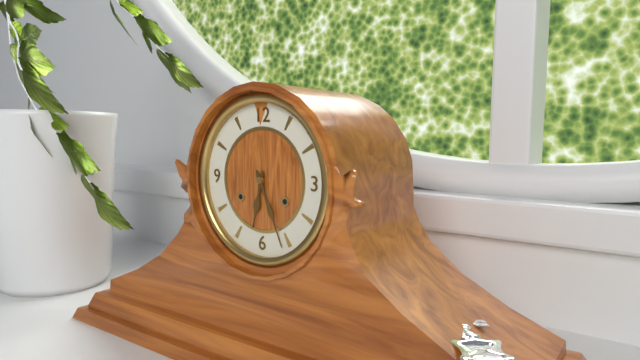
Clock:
{"hour": 6, "minute": 26}
